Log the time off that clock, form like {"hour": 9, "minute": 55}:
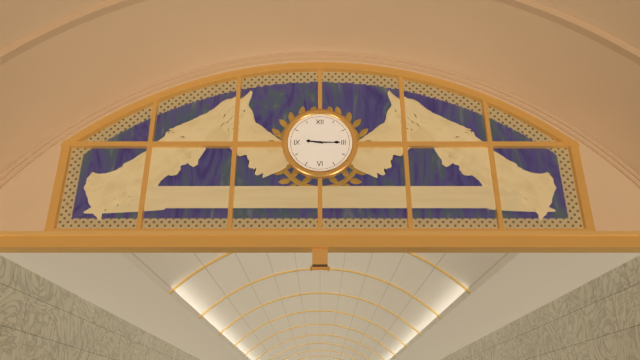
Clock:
{"hour": 9, "minute": 15}
